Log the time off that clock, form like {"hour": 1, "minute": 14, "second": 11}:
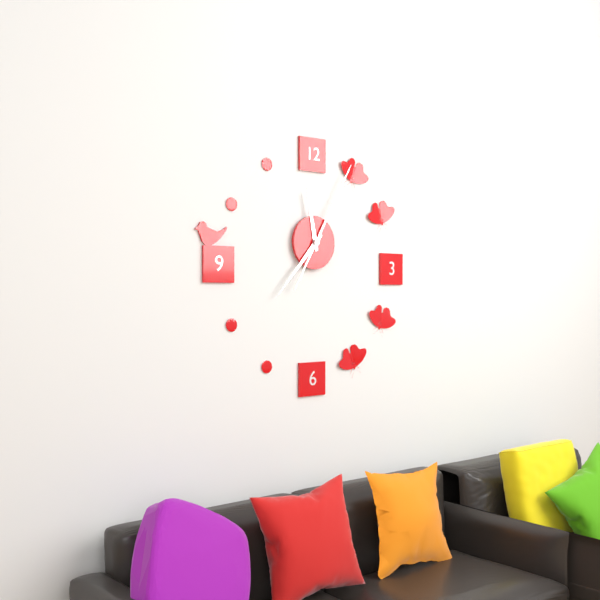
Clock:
{"hour": 11, "minute": 37, "second": 5}
